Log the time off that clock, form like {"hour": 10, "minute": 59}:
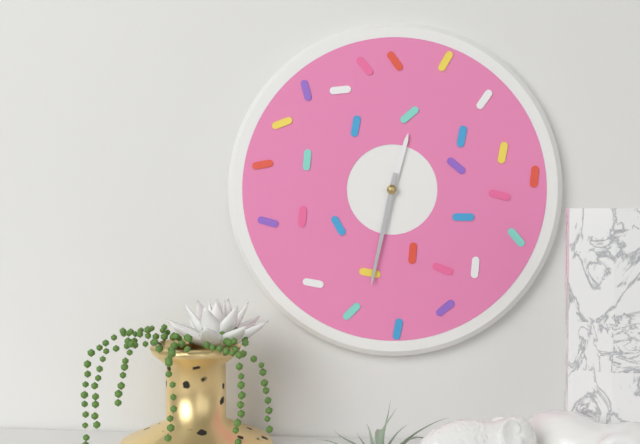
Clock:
{"hour": 12, "minute": 32}
